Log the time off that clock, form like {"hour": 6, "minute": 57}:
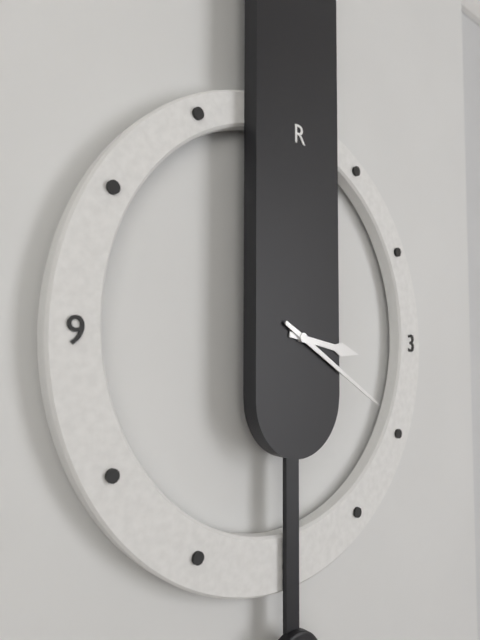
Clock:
{"hour": 3, "minute": 20}
